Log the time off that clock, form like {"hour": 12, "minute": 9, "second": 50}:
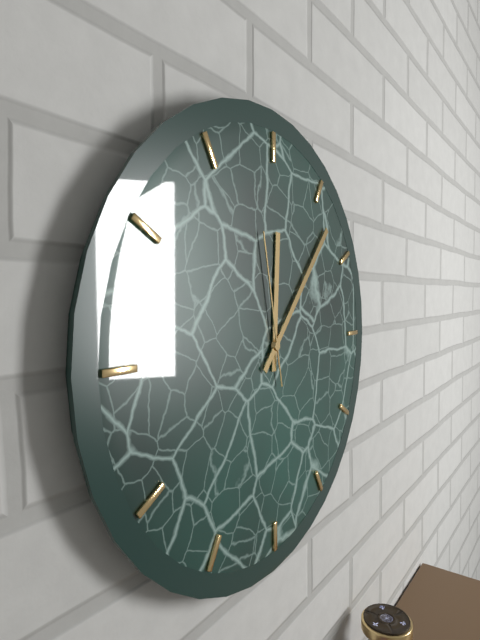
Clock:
{"hour": 12, "minute": 7, "second": 58}
